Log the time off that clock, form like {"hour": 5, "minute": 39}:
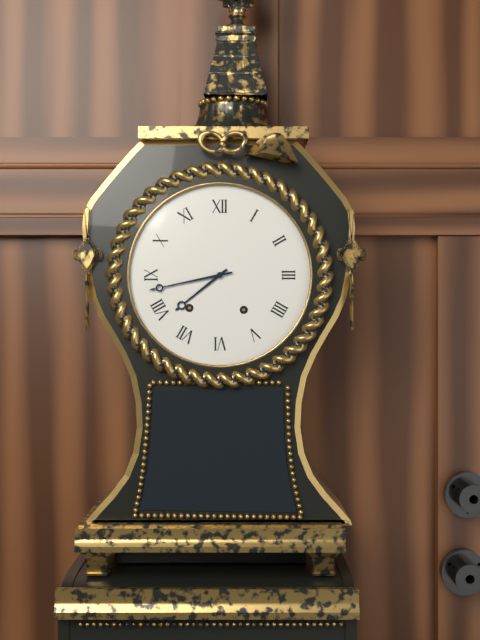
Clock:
{"hour": 7, "minute": 43}
